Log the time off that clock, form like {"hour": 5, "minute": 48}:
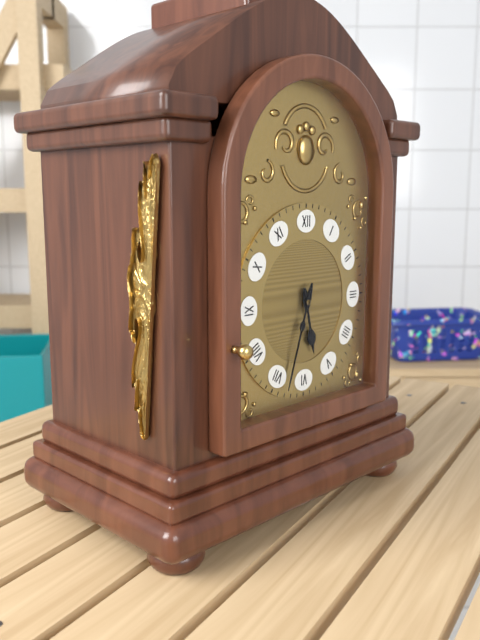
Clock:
{"hour": 5, "minute": 33}
